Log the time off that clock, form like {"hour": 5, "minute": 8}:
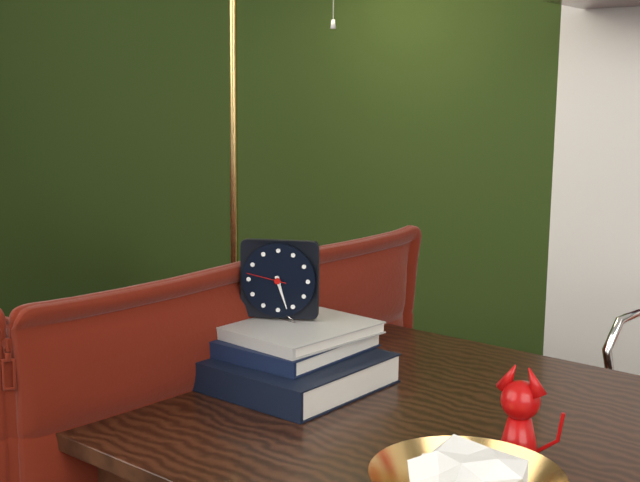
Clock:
{"hour": 5, "minute": 27}
